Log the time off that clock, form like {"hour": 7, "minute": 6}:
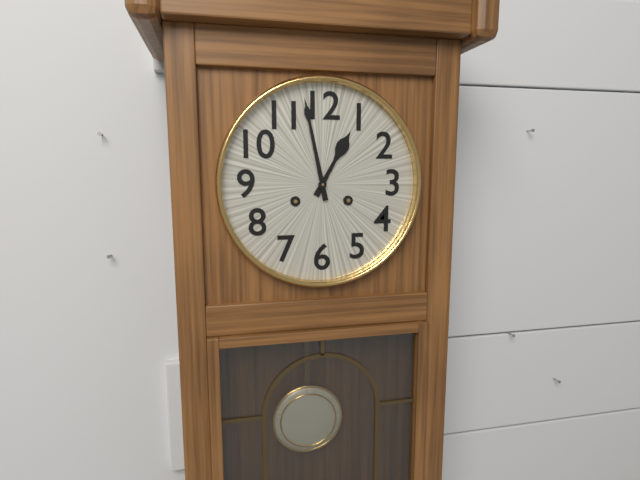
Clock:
{"hour": 12, "minute": 58}
